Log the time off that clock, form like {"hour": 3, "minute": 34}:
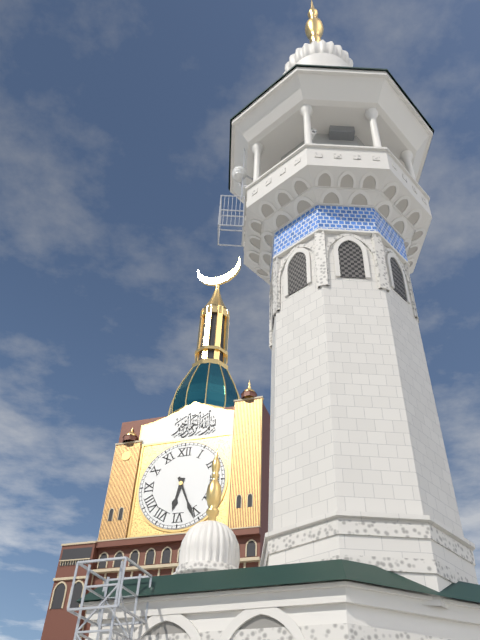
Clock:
{"hour": 6, "minute": 26}
